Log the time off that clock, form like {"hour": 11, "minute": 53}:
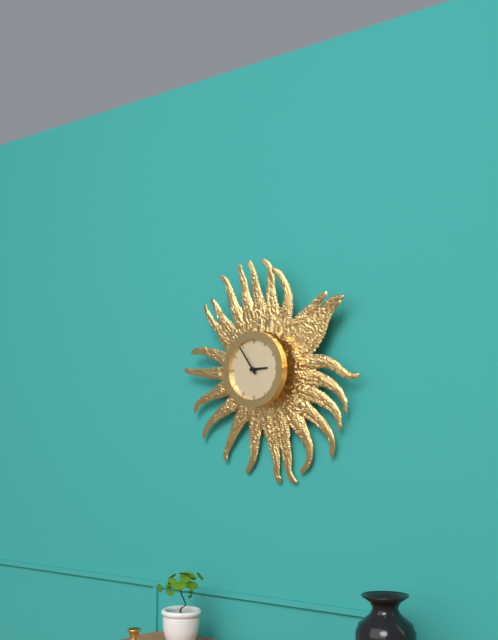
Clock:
{"hour": 2, "minute": 54}
